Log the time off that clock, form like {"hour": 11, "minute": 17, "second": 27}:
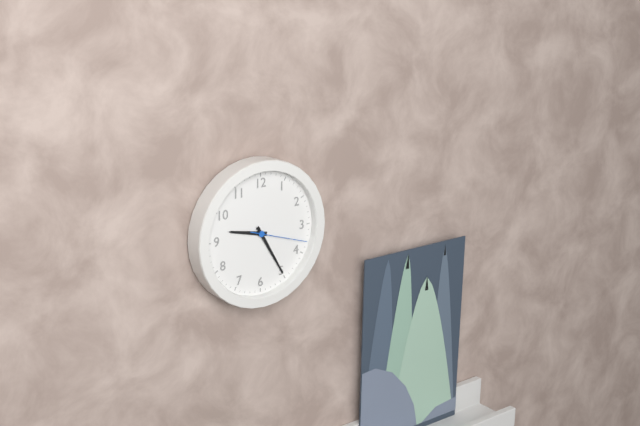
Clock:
{"hour": 9, "minute": 25, "second": 18}
